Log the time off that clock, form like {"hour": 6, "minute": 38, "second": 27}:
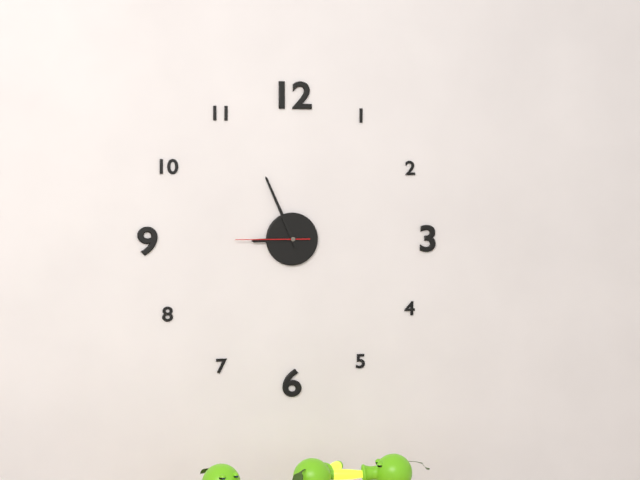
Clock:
{"hour": 8, "minute": 56, "second": 45}
